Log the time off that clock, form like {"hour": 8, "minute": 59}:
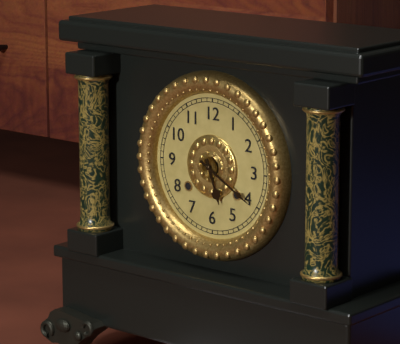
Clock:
{"hour": 5, "minute": 20}
